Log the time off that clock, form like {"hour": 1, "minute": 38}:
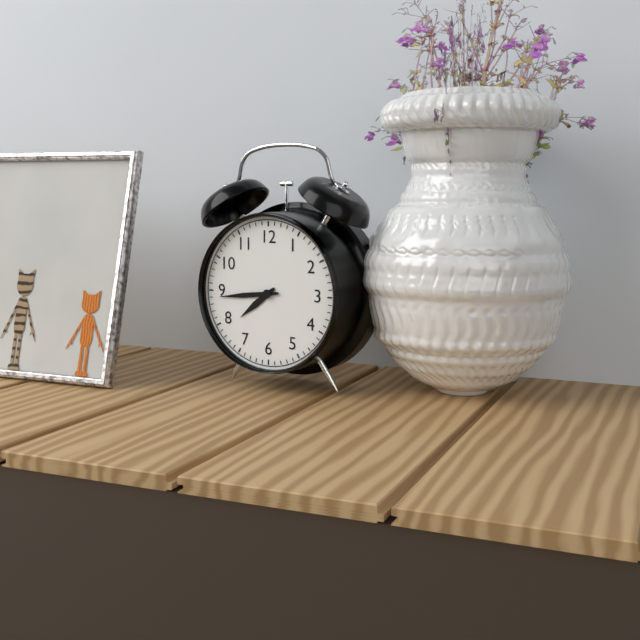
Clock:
{"hour": 7, "minute": 44}
